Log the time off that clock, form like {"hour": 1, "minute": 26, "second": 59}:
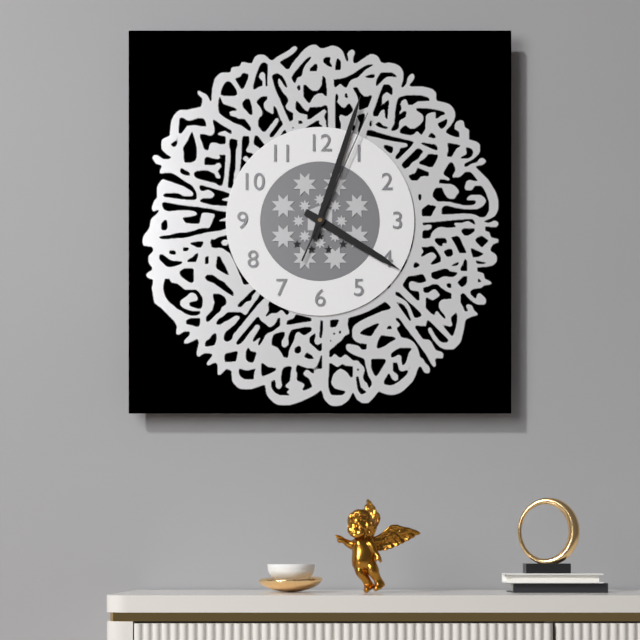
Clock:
{"hour": 4, "minute": 3, "second": 4}
